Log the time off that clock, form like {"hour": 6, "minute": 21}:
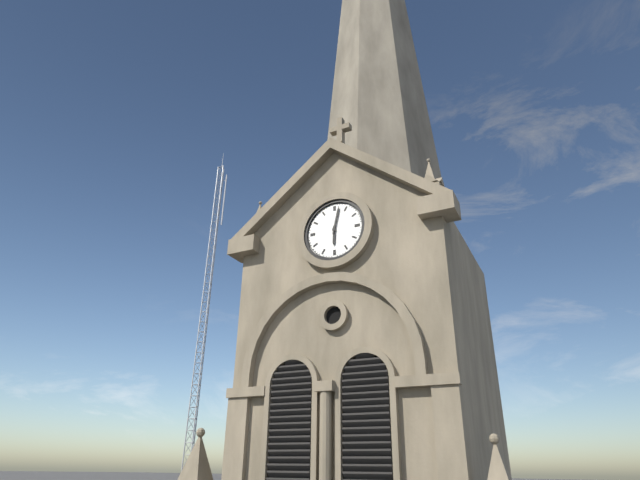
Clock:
{"hour": 6, "minute": 2}
